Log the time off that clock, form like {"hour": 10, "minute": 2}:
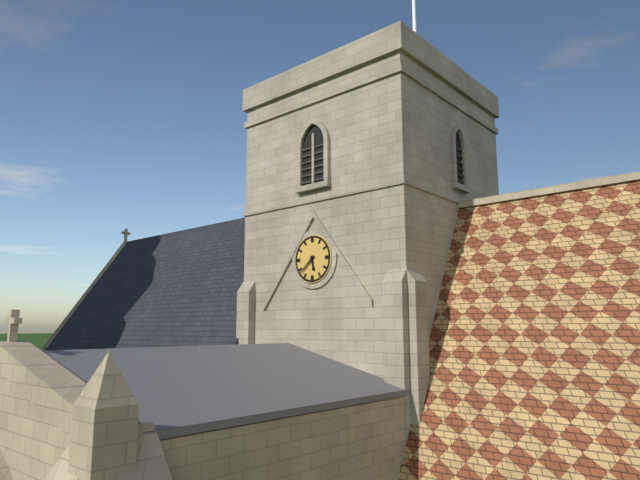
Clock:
{"hour": 5, "minute": 38}
